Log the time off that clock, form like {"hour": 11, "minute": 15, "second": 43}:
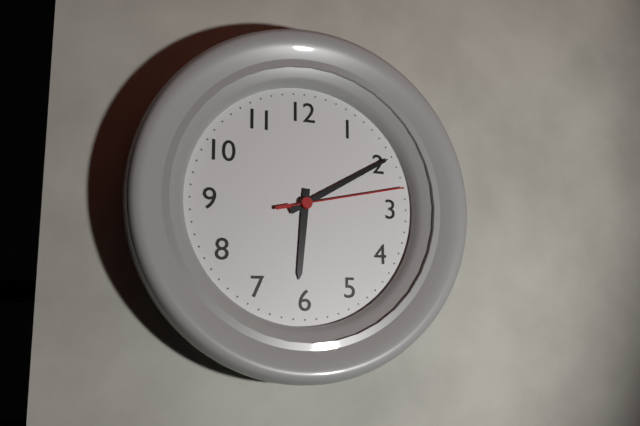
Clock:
{"hour": 6, "minute": 10, "second": 13}
